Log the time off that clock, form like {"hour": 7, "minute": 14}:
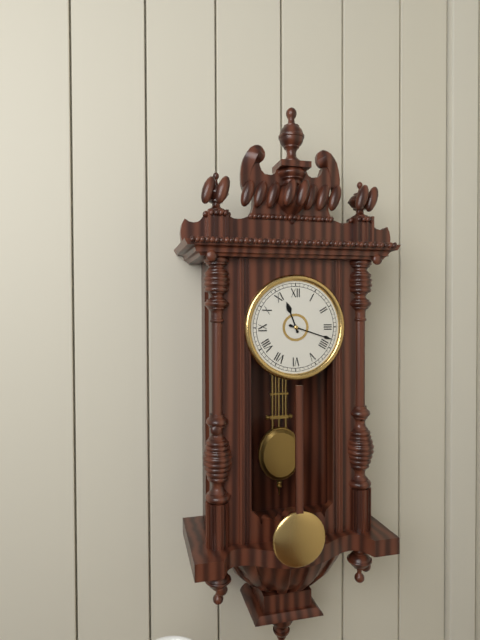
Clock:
{"hour": 11, "minute": 18}
